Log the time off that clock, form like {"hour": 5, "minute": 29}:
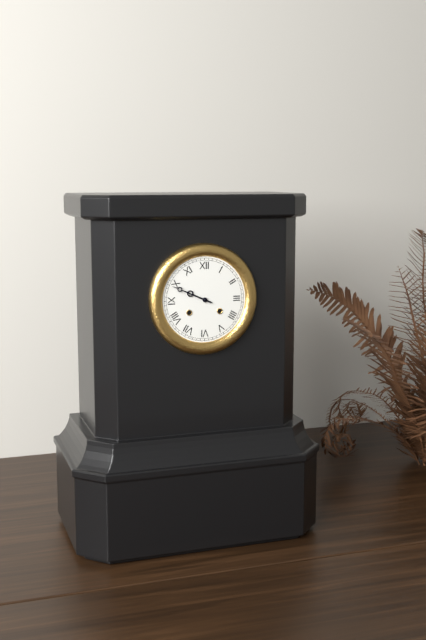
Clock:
{"hour": 9, "minute": 49}
